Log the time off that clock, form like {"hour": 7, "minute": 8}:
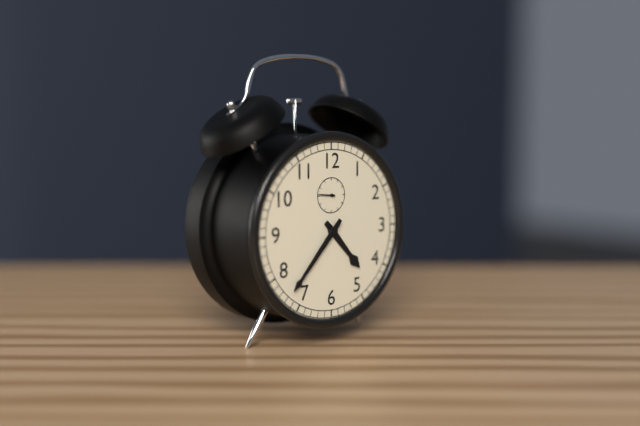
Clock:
{"hour": 4, "minute": 37}
